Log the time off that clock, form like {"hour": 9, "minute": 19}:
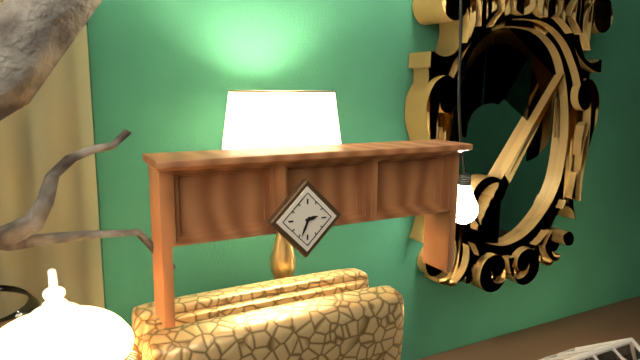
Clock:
{"hour": 2, "minute": 34}
